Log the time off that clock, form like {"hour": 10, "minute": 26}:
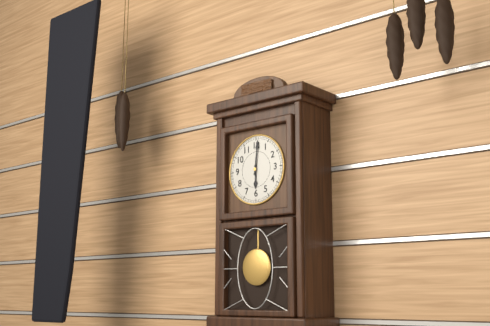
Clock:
{"hour": 6, "minute": 1}
